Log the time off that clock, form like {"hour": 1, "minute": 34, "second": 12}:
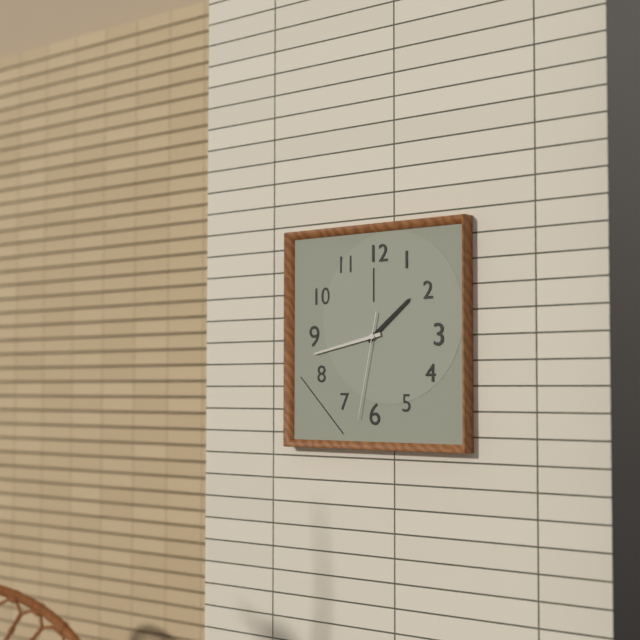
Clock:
{"hour": 1, "minute": 43, "second": 32}
